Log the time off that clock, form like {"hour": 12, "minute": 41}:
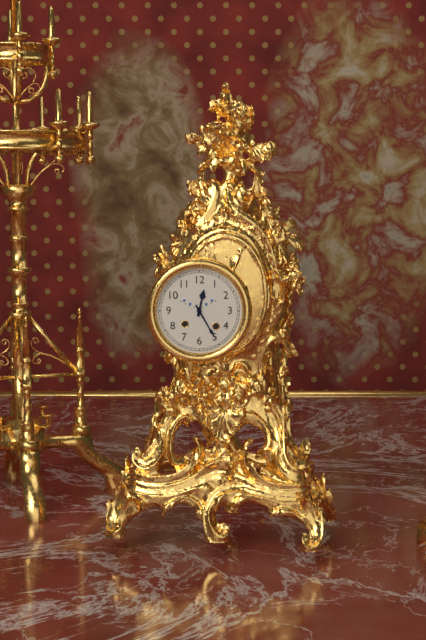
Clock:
{"hour": 12, "minute": 25}
